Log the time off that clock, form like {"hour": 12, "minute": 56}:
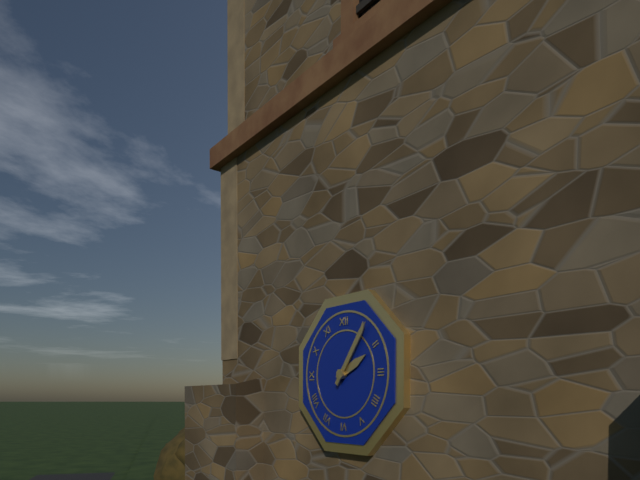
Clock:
{"hour": 2, "minute": 6}
